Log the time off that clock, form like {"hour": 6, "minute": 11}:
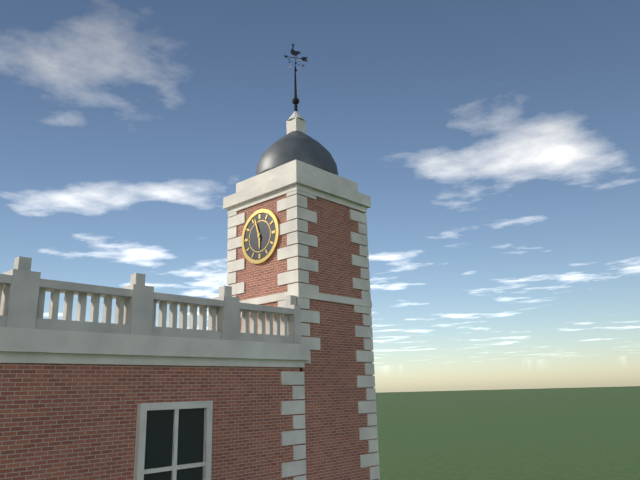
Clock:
{"hour": 5, "minute": 57}
